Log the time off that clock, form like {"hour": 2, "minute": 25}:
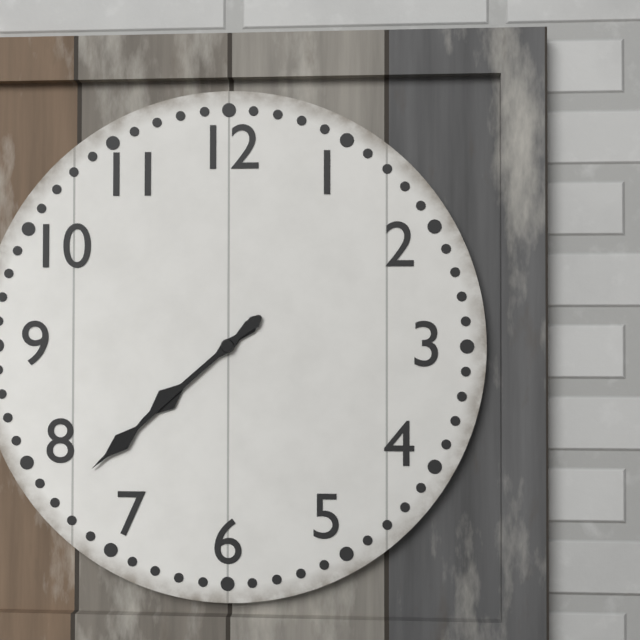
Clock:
{"hour": 7, "minute": 38}
